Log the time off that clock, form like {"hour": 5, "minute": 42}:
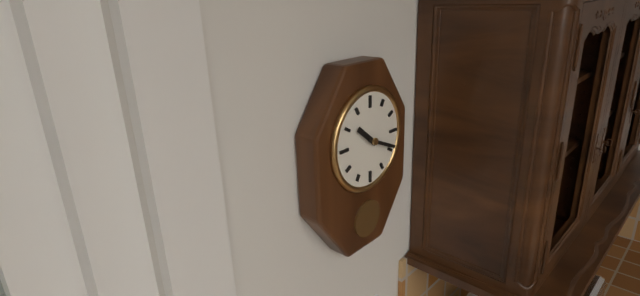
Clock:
{"hour": 10, "minute": 19}
